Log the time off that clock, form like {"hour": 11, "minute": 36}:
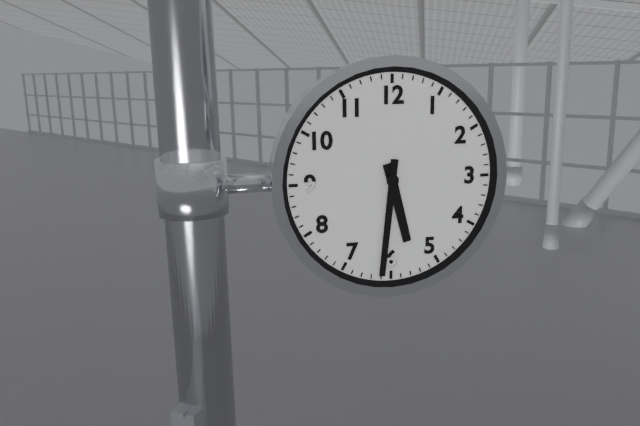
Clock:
{"hour": 5, "minute": 31}
